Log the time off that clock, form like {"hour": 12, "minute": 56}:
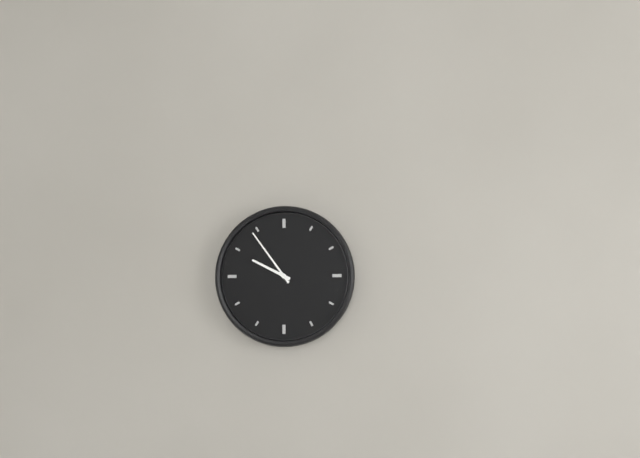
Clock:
{"hour": 9, "minute": 54}
